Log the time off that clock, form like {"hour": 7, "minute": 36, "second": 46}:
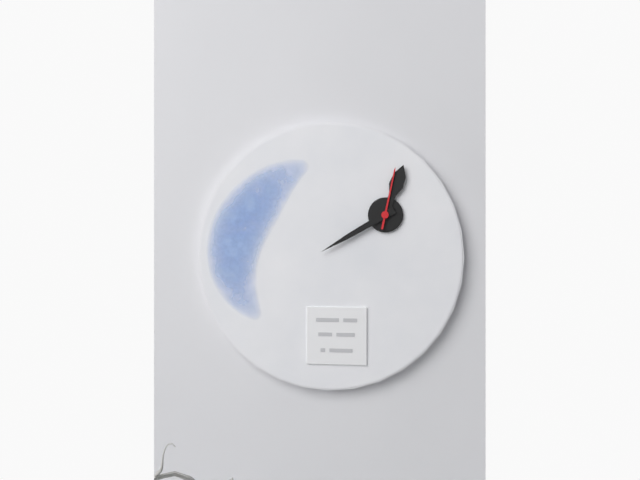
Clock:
{"hour": 12, "minute": 40, "second": 2}
